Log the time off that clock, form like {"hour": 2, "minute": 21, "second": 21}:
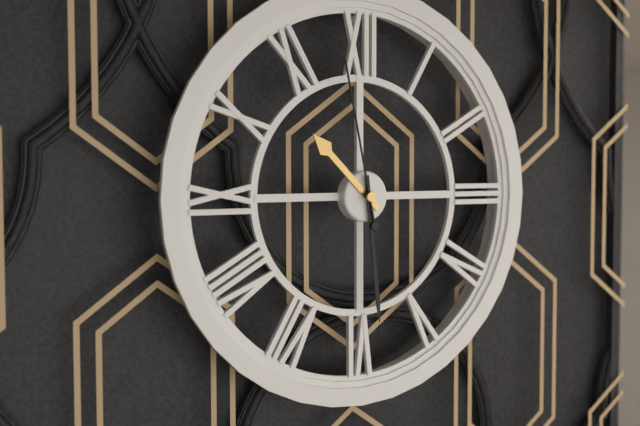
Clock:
{"hour": 10, "minute": 29, "second": 58}
